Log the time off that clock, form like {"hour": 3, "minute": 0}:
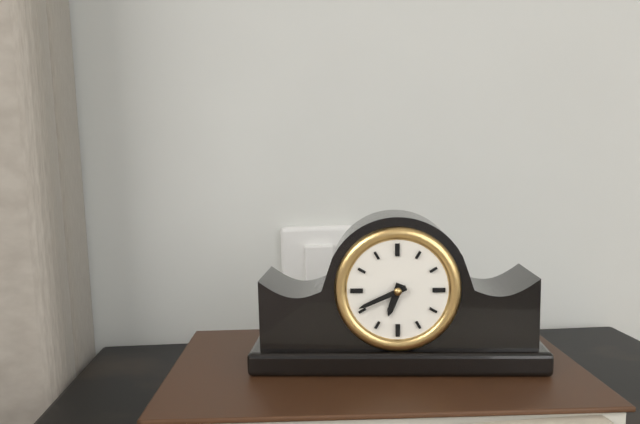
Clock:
{"hour": 6, "minute": 41}
